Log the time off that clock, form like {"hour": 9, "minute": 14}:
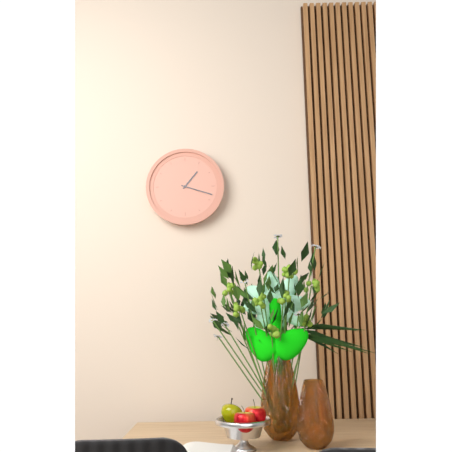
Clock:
{"hour": 1, "minute": 18}
